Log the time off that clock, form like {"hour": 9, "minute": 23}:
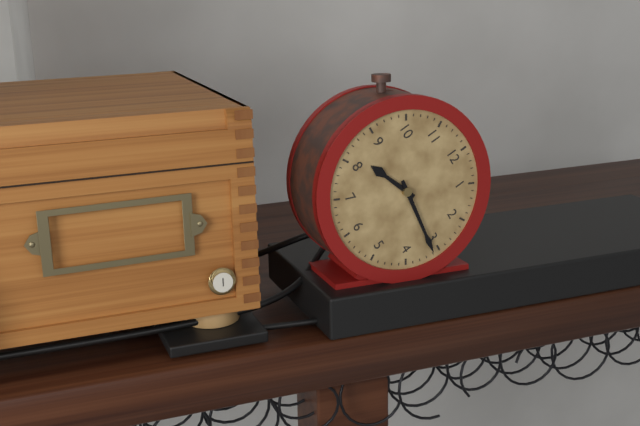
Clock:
{"hour": 8, "minute": 16}
